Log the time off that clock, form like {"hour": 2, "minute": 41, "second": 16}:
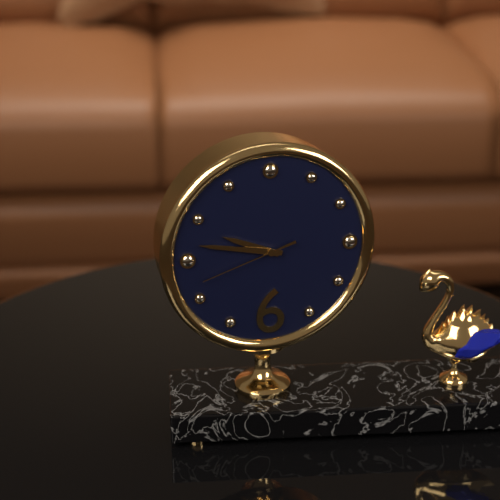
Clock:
{"hour": 9, "minute": 47, "second": 42}
